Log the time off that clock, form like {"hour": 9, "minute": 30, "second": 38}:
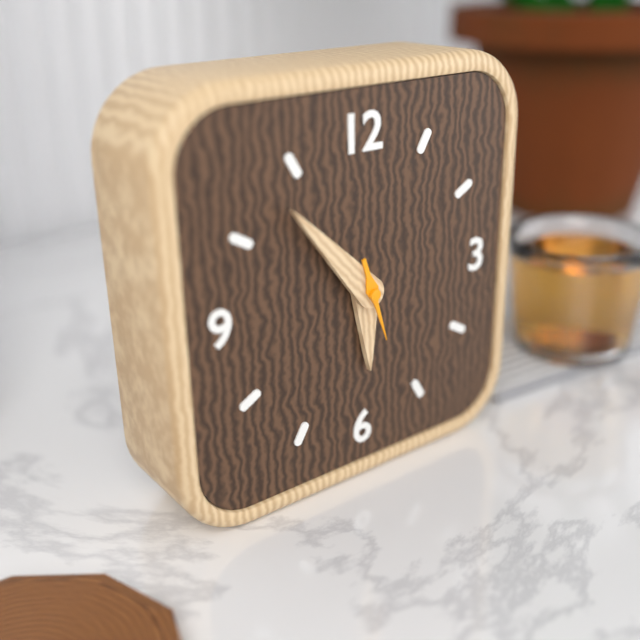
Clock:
{"hour": 5, "minute": 53, "second": 27}
